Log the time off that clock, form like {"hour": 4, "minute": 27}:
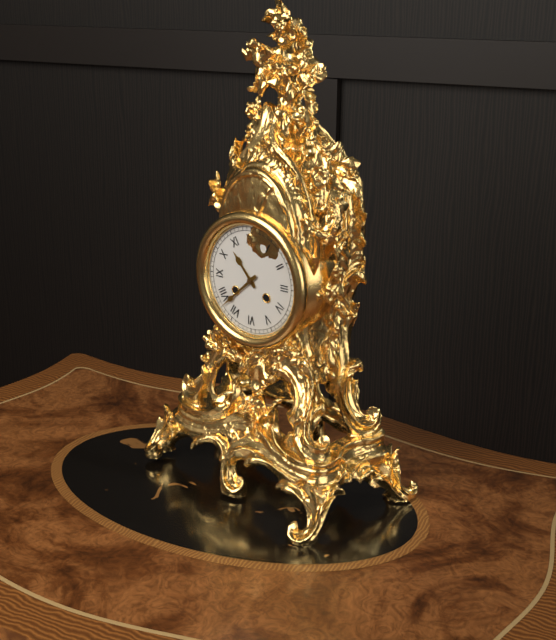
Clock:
{"hour": 10, "minute": 38}
